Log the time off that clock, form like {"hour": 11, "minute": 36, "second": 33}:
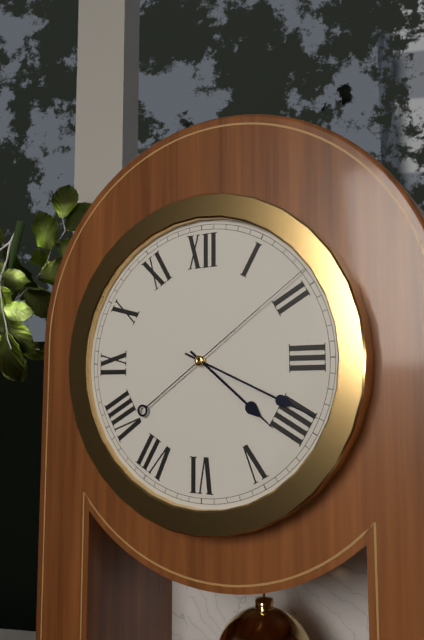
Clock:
{"hour": 4, "minute": 19, "second": 9}
